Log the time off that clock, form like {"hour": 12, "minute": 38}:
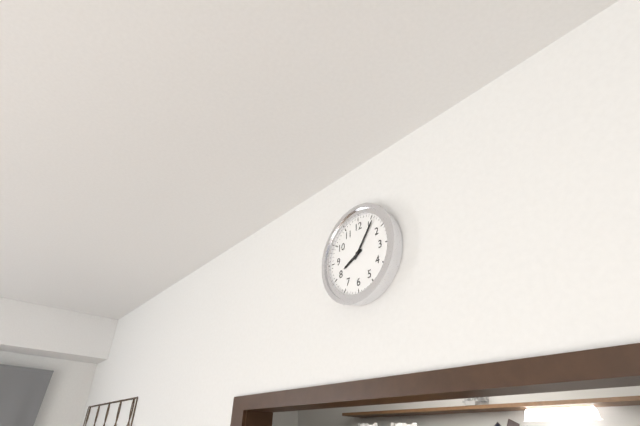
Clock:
{"hour": 8, "minute": 6}
